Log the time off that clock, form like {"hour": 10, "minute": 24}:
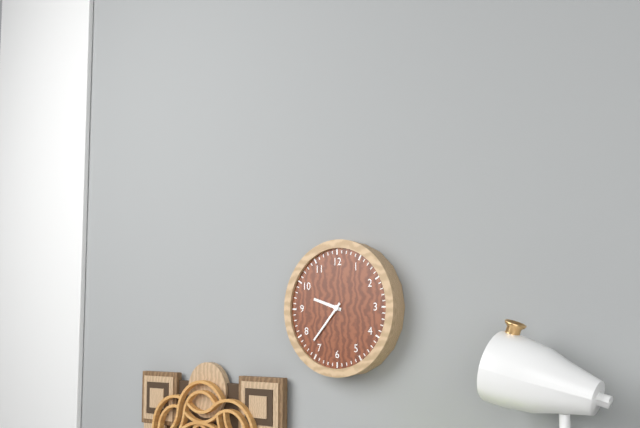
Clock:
{"hour": 9, "minute": 37}
